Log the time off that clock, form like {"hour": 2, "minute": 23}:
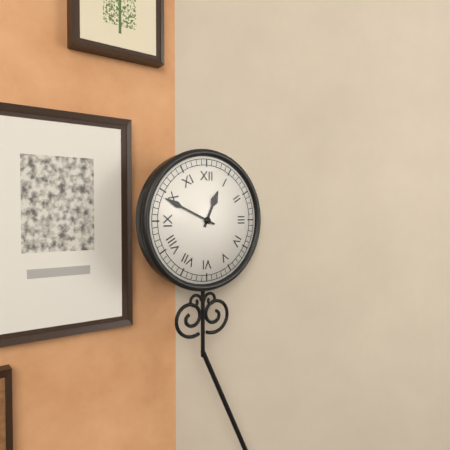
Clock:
{"hour": 12, "minute": 49}
